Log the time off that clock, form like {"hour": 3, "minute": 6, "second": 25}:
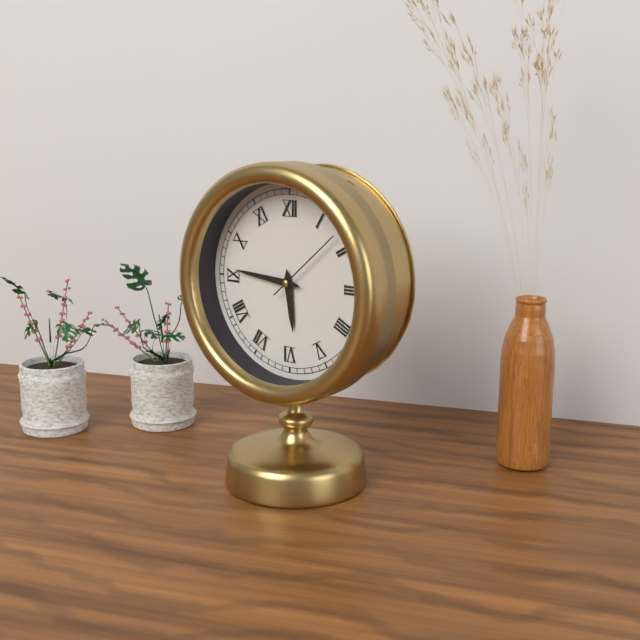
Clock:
{"hour": 5, "minute": 46, "second": 8}
